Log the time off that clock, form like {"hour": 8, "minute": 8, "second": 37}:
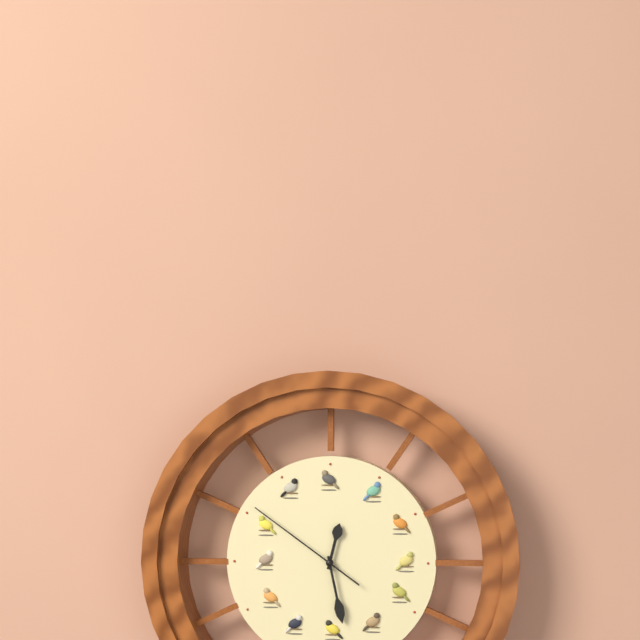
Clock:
{"hour": 12, "minute": 28, "second": 51}
